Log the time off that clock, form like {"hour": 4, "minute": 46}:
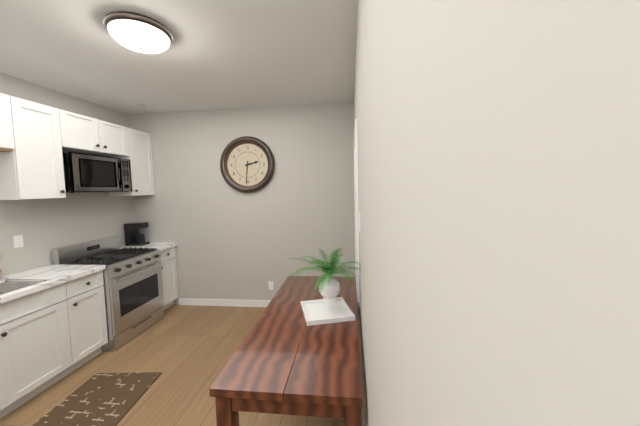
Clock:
{"hour": 2, "minute": 31}
